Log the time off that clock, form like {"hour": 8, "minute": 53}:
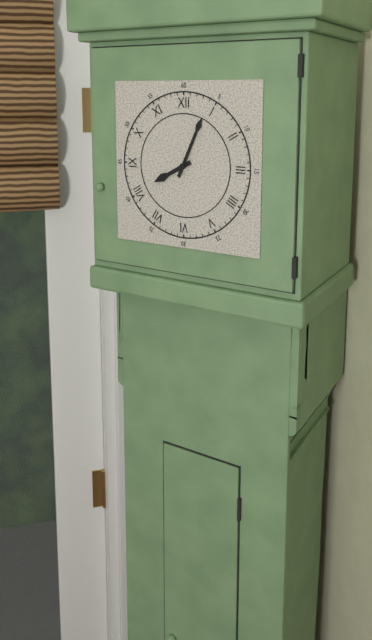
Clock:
{"hour": 8, "minute": 4}
